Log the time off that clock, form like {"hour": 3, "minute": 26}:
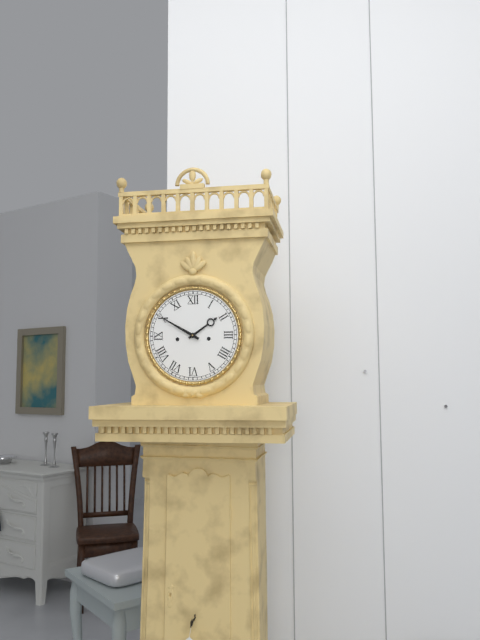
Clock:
{"hour": 1, "minute": 50}
